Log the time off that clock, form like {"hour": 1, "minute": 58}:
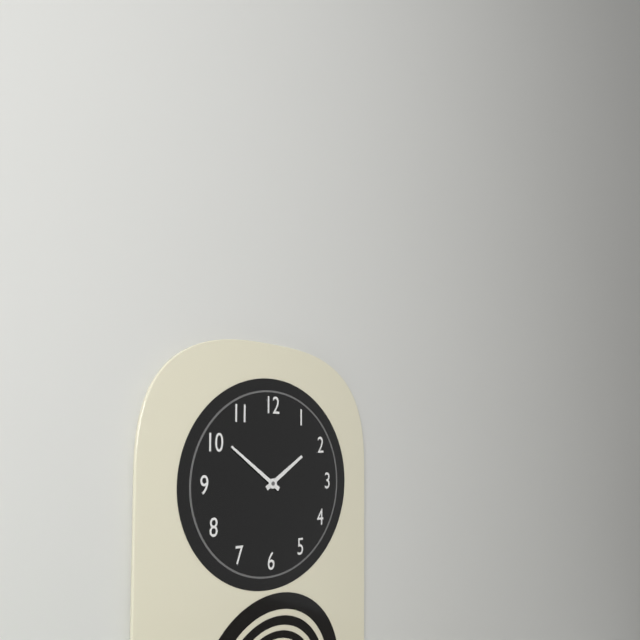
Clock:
{"hour": 1, "minute": 51}
